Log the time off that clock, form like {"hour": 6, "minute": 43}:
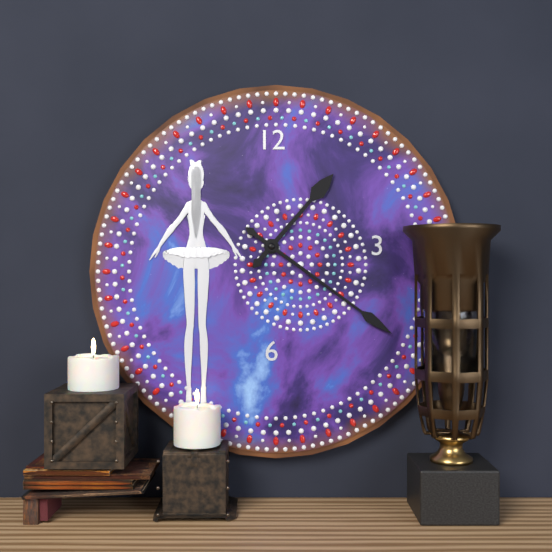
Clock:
{"hour": 1, "minute": 21}
